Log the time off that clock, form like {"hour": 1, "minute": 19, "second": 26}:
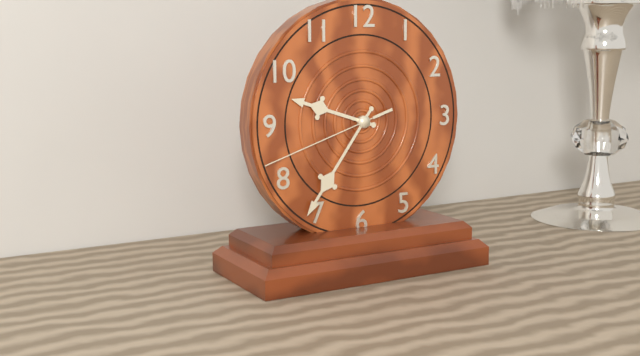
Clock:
{"hour": 9, "minute": 36, "second": 42}
